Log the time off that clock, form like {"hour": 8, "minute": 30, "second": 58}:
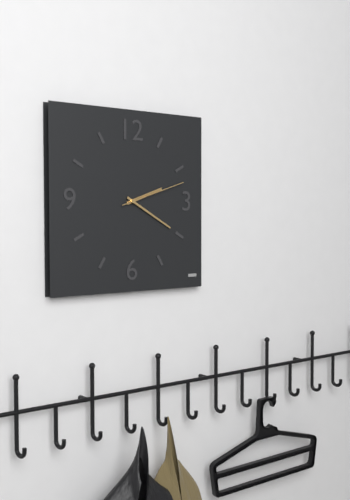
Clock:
{"hour": 2, "minute": 20, "second": 12}
